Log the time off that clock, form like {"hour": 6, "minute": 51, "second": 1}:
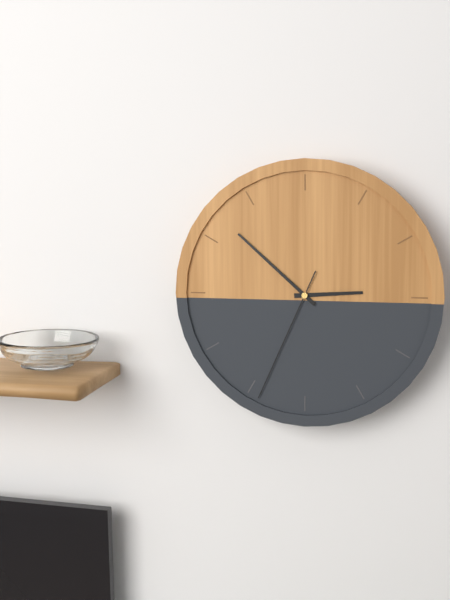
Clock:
{"hour": 2, "minute": 52, "second": 34}
